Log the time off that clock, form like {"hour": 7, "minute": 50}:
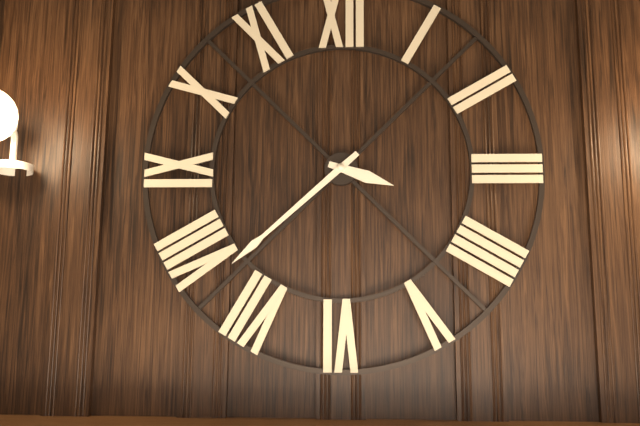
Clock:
{"hour": 3, "minute": 38}
